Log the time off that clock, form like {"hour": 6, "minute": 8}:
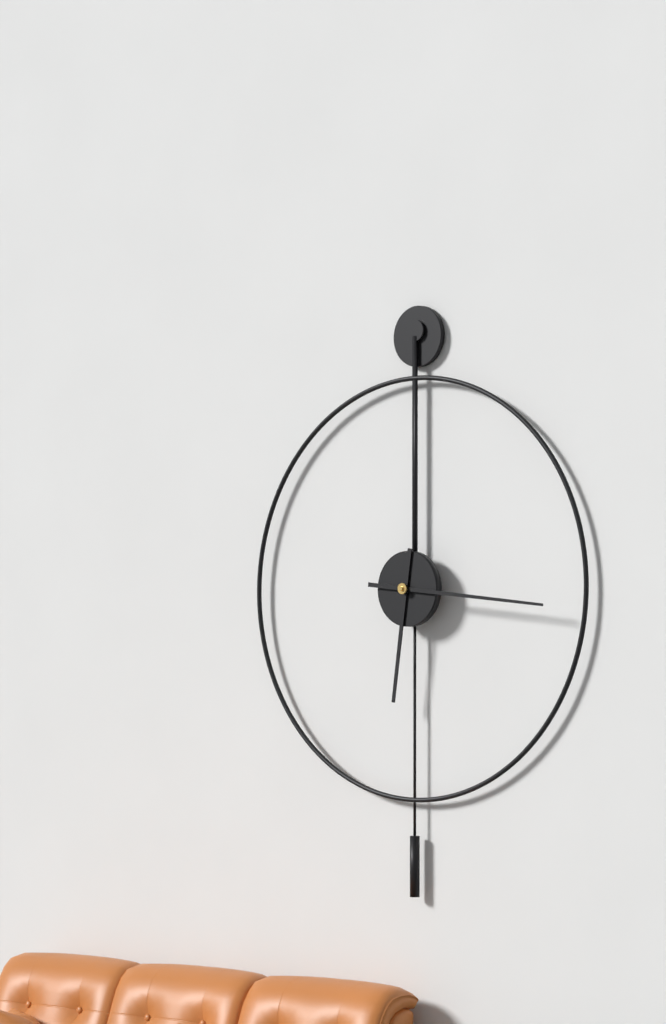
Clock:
{"hour": 6, "minute": 16}
